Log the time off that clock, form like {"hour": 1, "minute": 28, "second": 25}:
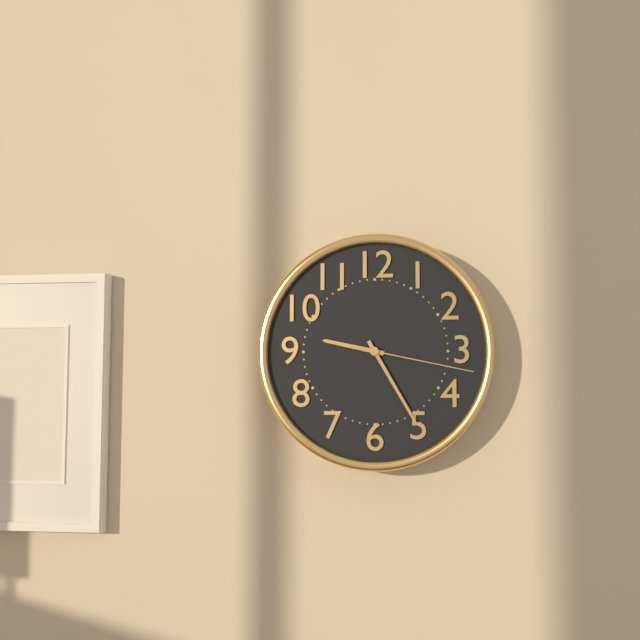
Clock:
{"hour": 9, "minute": 25, "second": 17}
